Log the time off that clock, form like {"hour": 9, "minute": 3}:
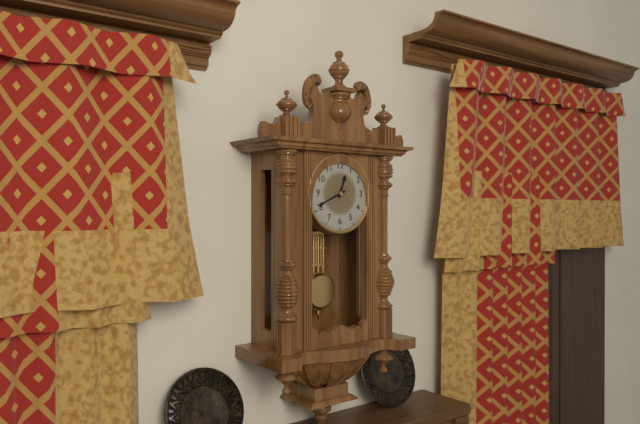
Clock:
{"hour": 12, "minute": 41}
